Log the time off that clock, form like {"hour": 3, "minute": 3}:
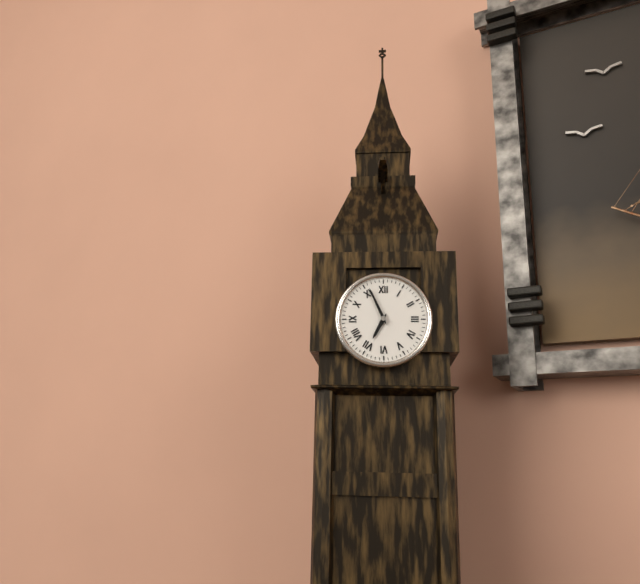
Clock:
{"hour": 6, "minute": 56}
